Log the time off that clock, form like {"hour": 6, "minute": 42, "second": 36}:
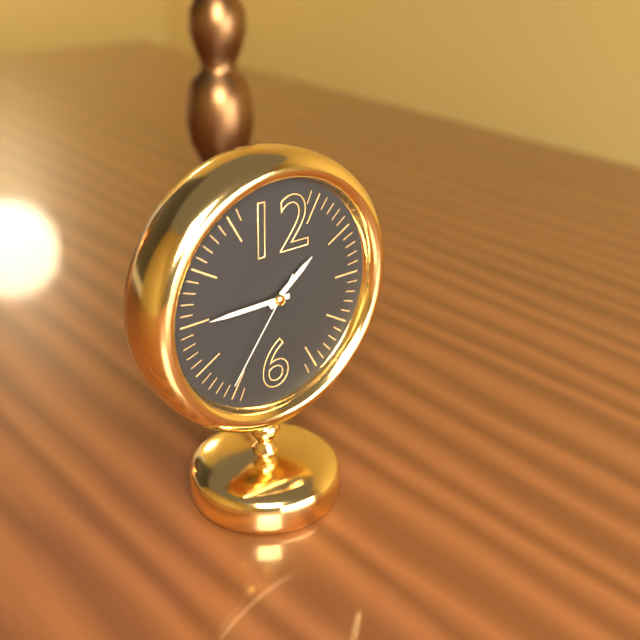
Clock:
{"hour": 1, "minute": 45, "second": 36}
